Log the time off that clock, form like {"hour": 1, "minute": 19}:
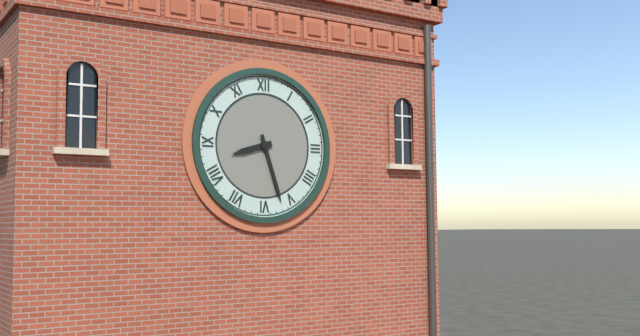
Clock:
{"hour": 8, "minute": 27}
